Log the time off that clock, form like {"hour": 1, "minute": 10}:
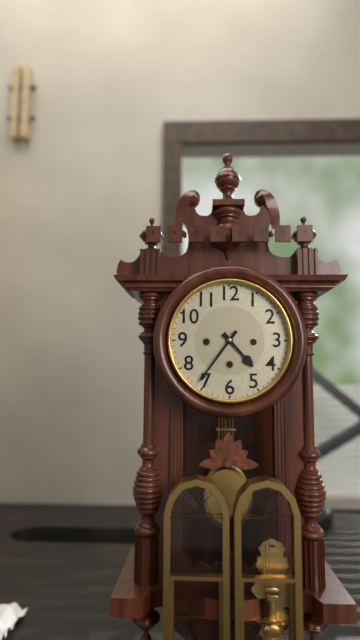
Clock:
{"hour": 4, "minute": 36}
